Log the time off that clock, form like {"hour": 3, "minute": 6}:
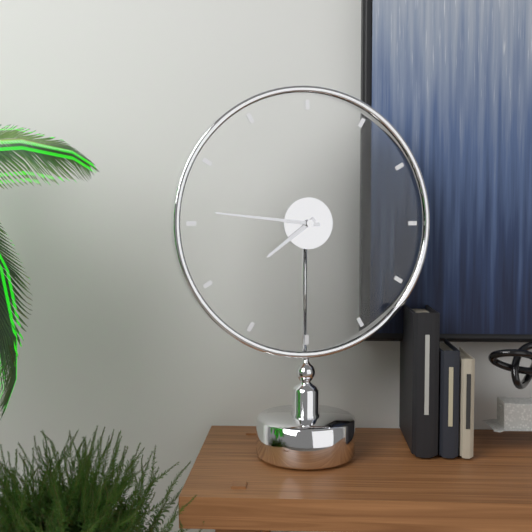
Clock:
{"hour": 7, "minute": 46}
